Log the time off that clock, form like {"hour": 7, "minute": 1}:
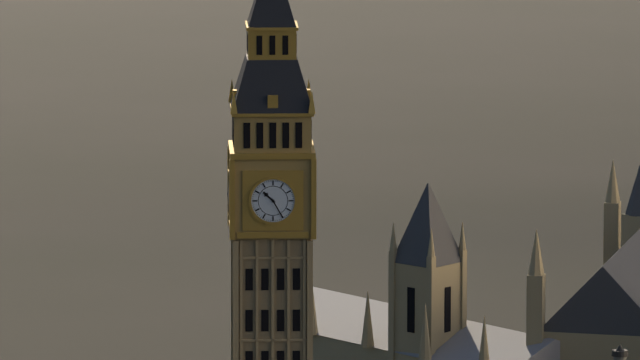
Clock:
{"hour": 10, "minute": 25}
